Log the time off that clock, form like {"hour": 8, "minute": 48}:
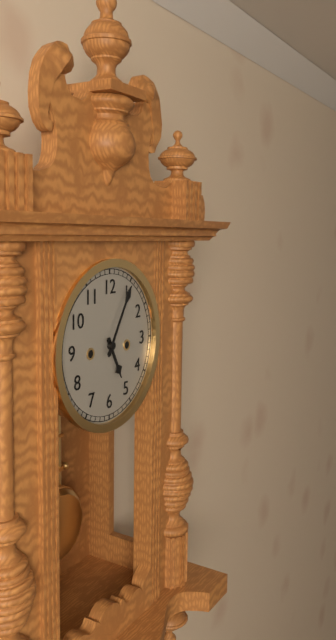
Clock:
{"hour": 5, "minute": 5}
